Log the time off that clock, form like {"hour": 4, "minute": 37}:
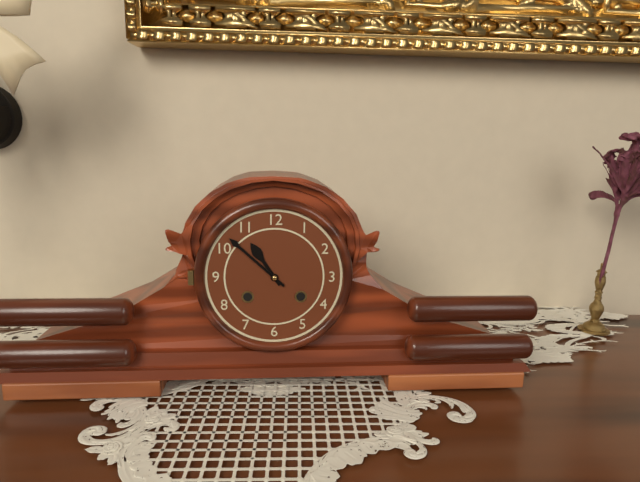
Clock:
{"hour": 10, "minute": 52}
